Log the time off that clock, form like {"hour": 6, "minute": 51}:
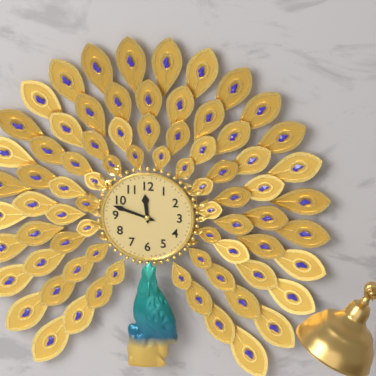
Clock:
{"hour": 11, "minute": 48}
